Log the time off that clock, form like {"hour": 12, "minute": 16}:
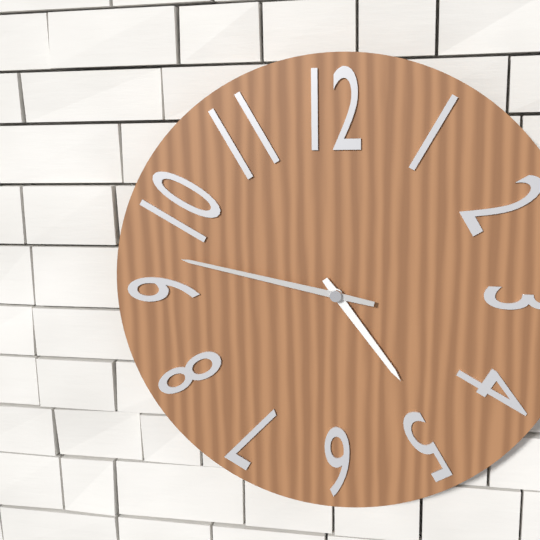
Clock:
{"hour": 4, "minute": 47}
